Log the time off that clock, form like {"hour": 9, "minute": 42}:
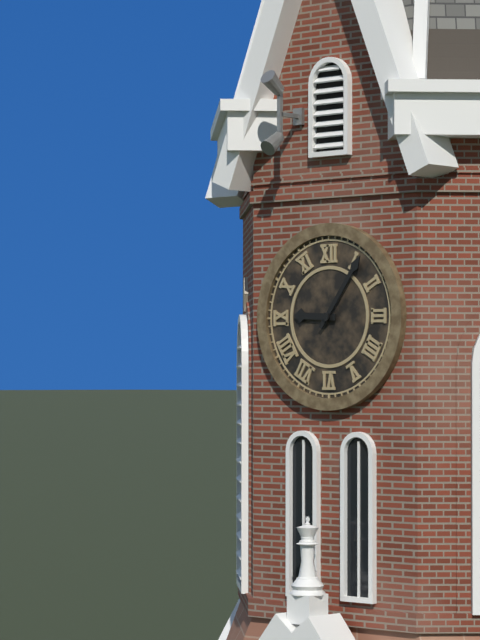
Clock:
{"hour": 9, "minute": 6}
